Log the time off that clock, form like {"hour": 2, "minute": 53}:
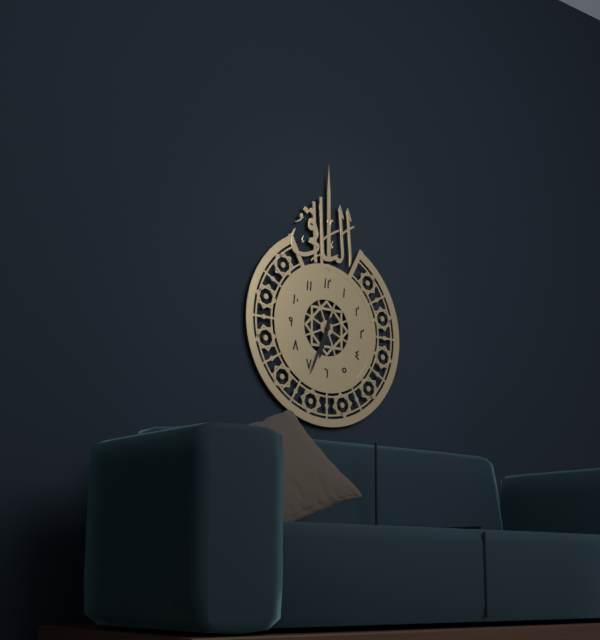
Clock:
{"hour": 6, "minute": 34}
